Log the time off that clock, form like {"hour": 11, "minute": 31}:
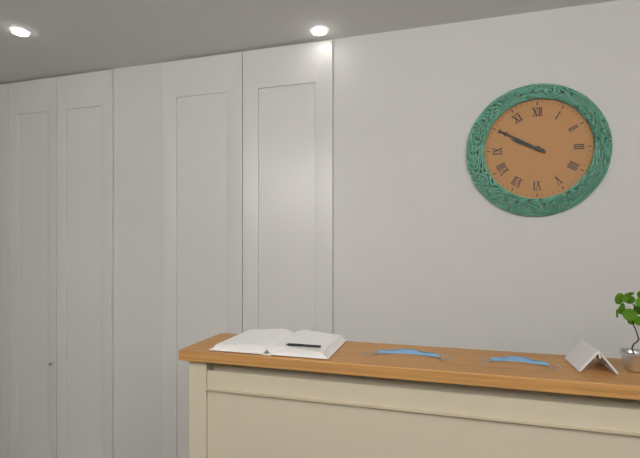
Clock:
{"hour": 9, "minute": 50}
